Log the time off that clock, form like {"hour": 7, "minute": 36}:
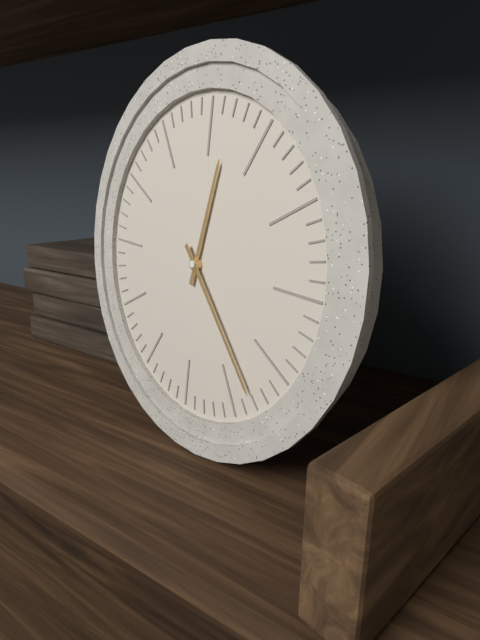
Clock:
{"hour": 12, "minute": 23}
